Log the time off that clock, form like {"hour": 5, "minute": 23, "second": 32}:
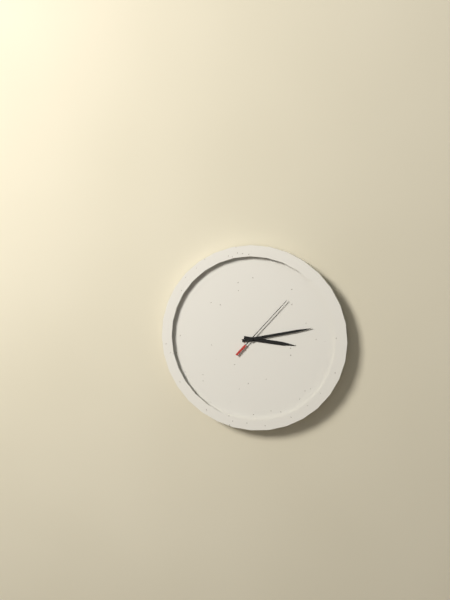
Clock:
{"hour": 3, "minute": 13, "second": 7}
